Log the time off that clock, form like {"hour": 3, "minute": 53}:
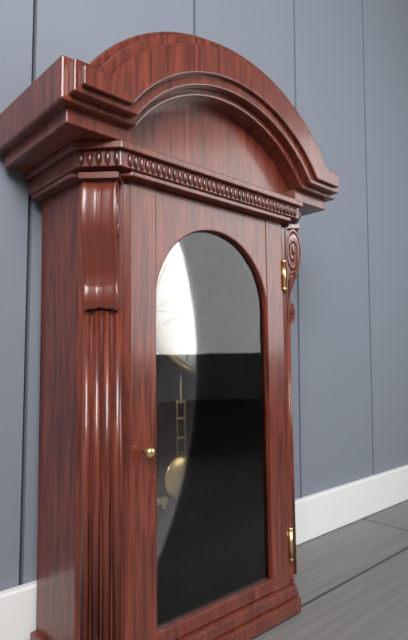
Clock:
{"hour": 9, "minute": 59}
